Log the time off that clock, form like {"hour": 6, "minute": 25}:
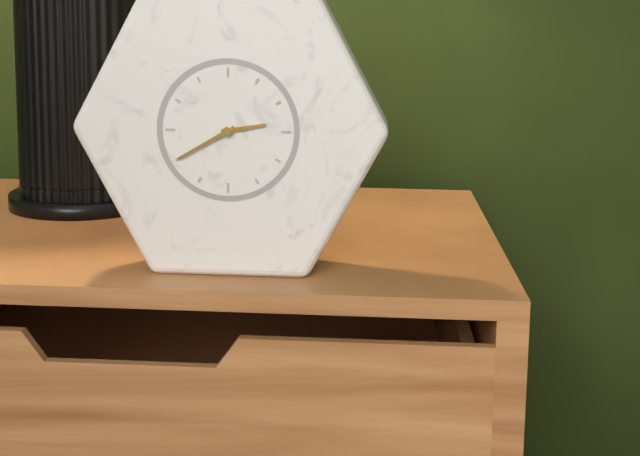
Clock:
{"hour": 2, "minute": 40}
